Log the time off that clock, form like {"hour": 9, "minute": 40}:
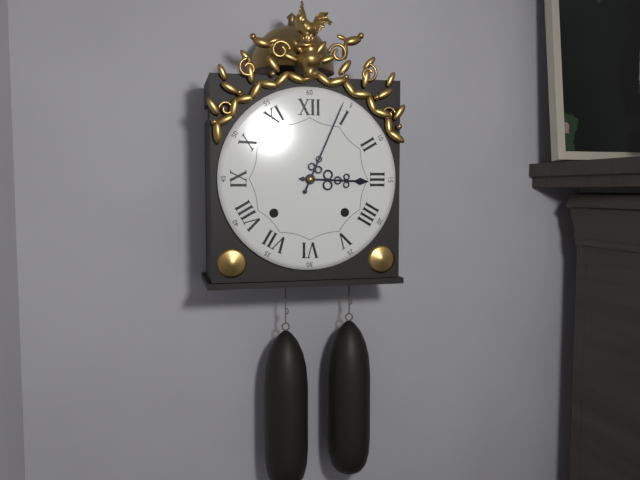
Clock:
{"hour": 3, "minute": 4}
